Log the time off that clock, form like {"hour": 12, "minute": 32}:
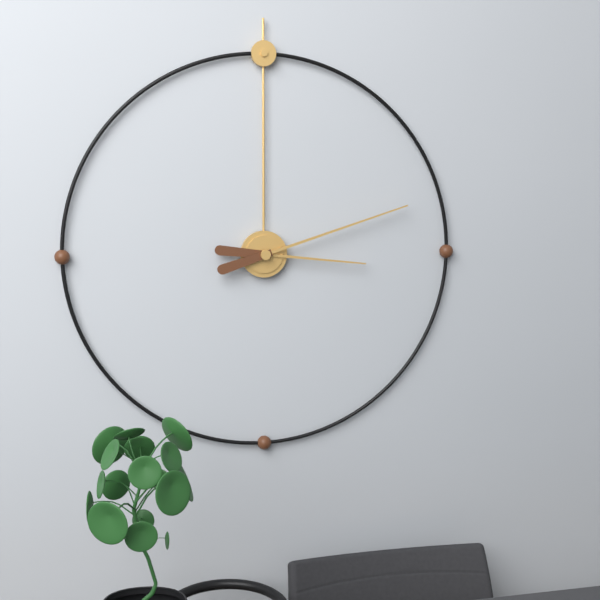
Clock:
{"hour": 3, "minute": 12}
